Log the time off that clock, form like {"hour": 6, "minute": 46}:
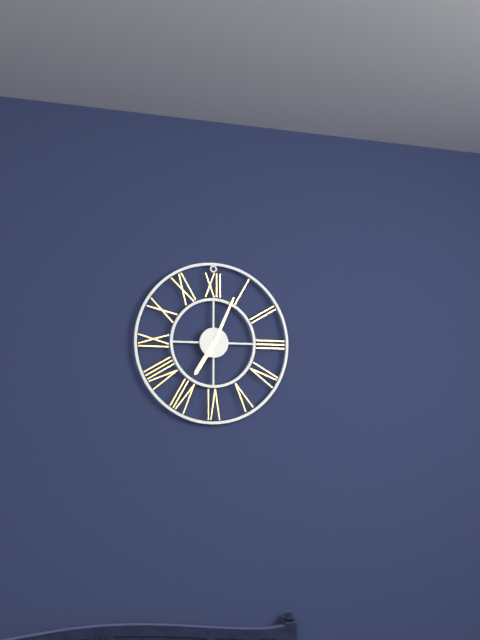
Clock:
{"hour": 7, "minute": 4}
